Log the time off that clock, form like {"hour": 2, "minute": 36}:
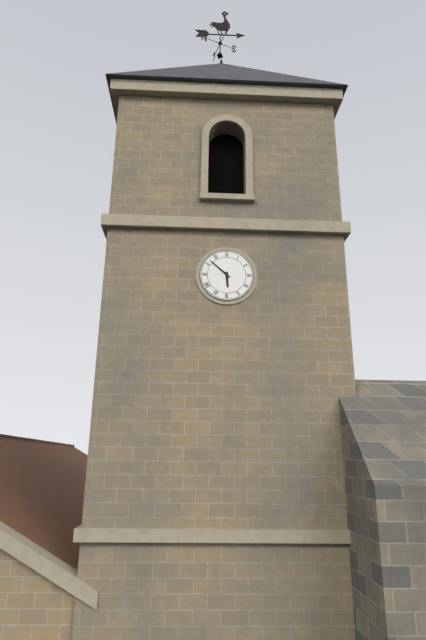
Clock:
{"hour": 5, "minute": 52}
